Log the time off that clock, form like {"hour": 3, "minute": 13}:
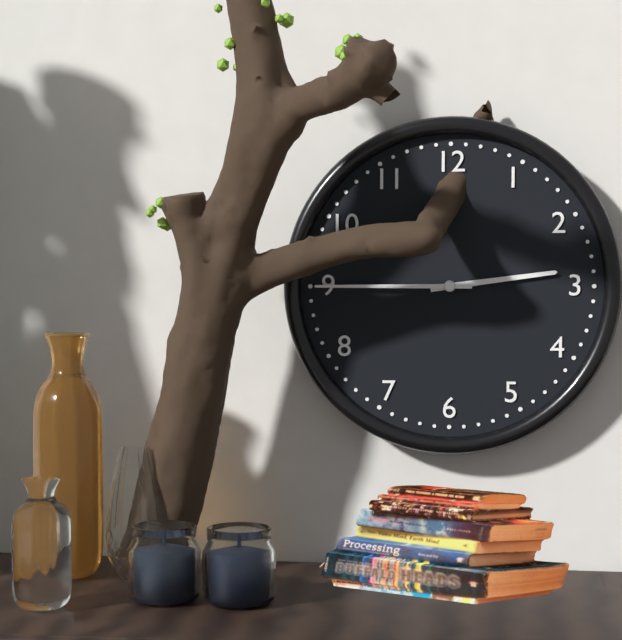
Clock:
{"hour": 2, "minute": 45}
